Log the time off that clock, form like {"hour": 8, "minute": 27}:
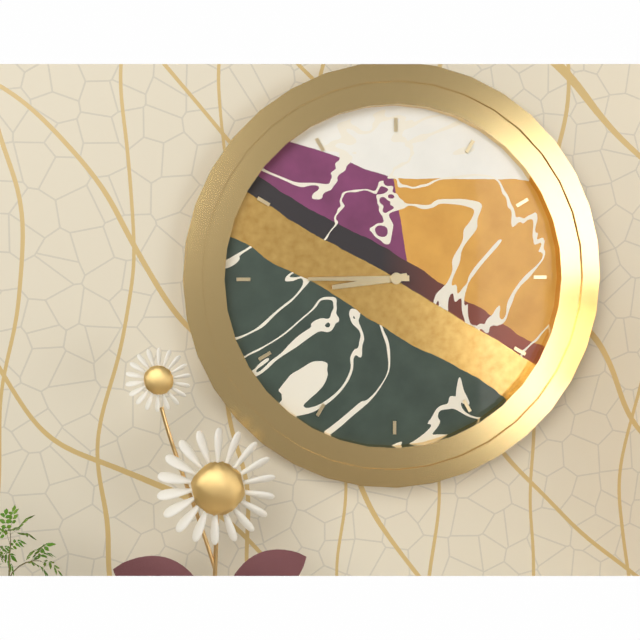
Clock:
{"hour": 8, "minute": 45}
